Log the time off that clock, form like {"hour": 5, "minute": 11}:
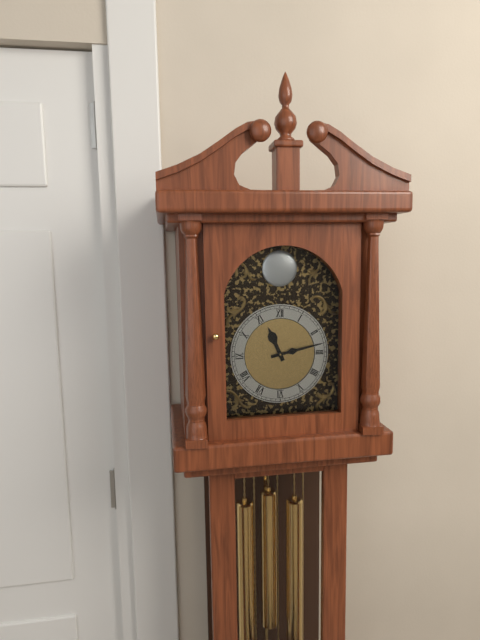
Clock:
{"hour": 11, "minute": 13}
